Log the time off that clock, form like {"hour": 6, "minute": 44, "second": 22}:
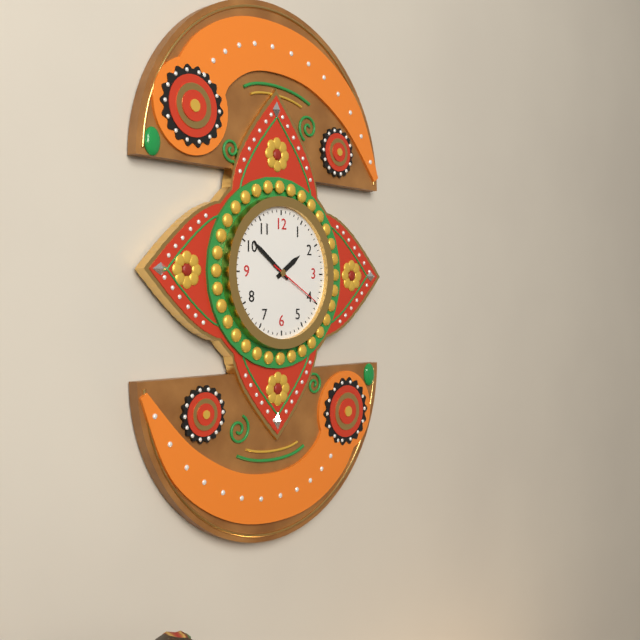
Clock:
{"hour": 1, "minute": 51, "second": 20}
